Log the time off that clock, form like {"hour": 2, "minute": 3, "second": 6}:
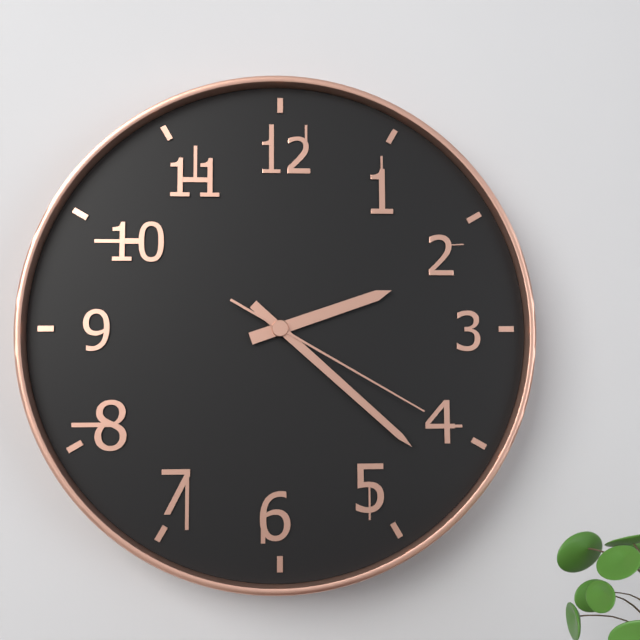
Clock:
{"hour": 2, "minute": 22, "second": 20}
